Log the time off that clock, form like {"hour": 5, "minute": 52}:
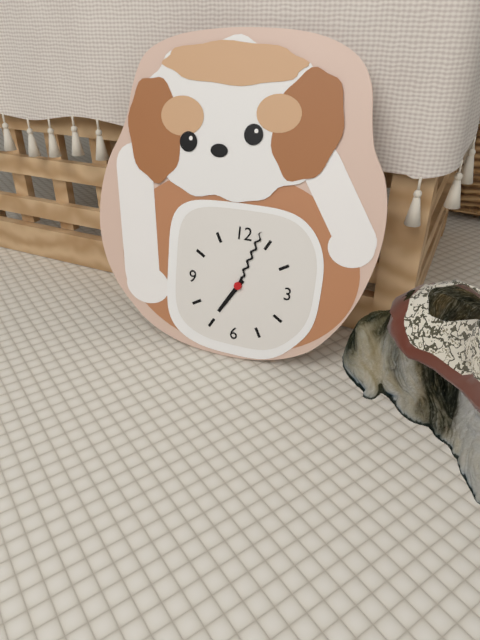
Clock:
{"hour": 7, "minute": 3}
